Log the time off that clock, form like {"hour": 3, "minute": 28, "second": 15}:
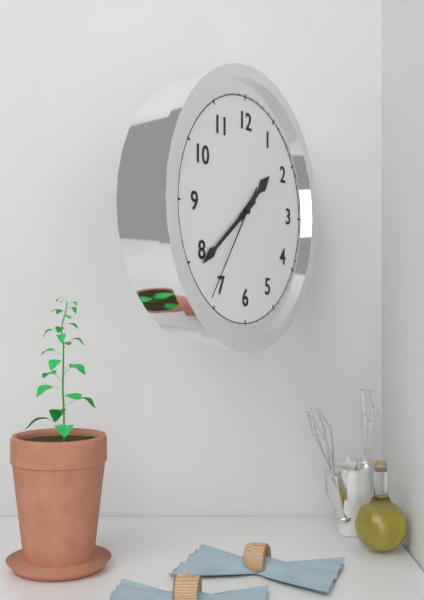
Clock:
{"hour": 1, "minute": 39, "second": 36}
